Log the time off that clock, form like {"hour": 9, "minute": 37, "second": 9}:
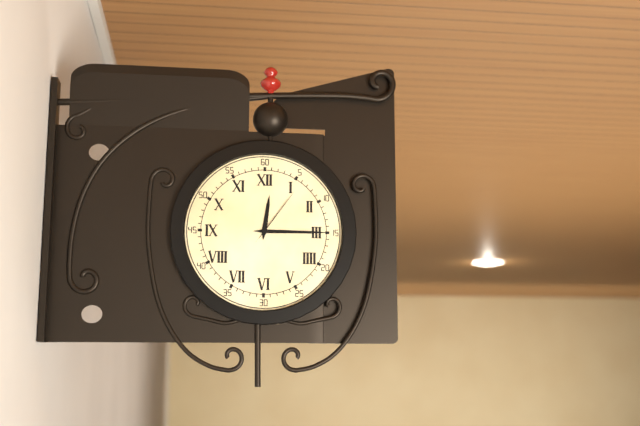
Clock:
{"hour": 12, "minute": 15, "second": 6}
